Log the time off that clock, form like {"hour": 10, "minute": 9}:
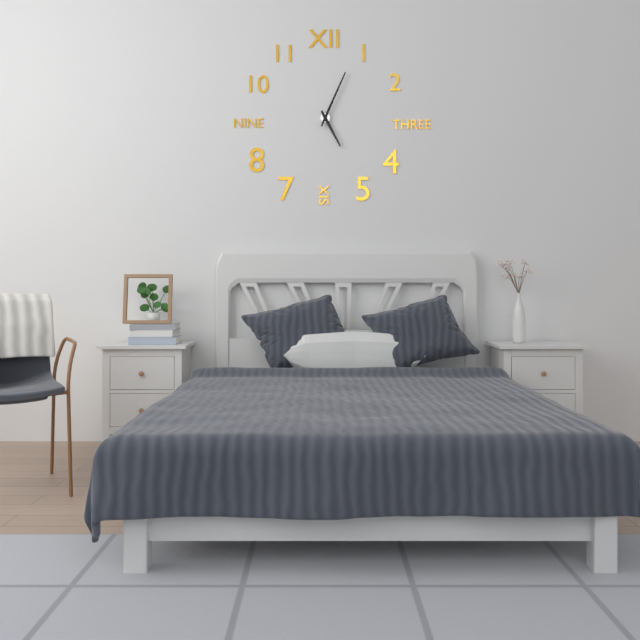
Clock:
{"hour": 5, "minute": 4}
